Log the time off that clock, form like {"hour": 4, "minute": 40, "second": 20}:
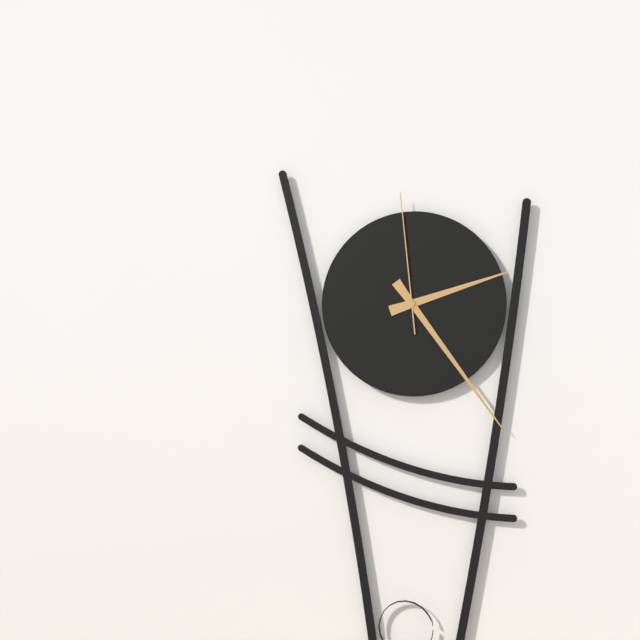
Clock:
{"hour": 2, "minute": 24, "second": 59}
